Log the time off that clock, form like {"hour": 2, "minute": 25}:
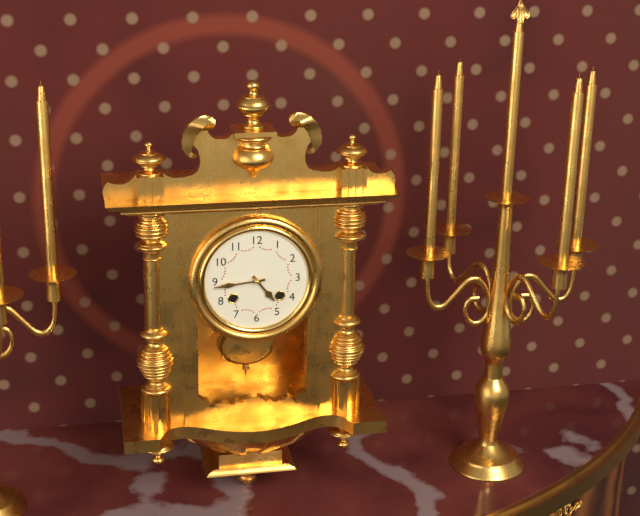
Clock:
{"hour": 4, "minute": 44}
